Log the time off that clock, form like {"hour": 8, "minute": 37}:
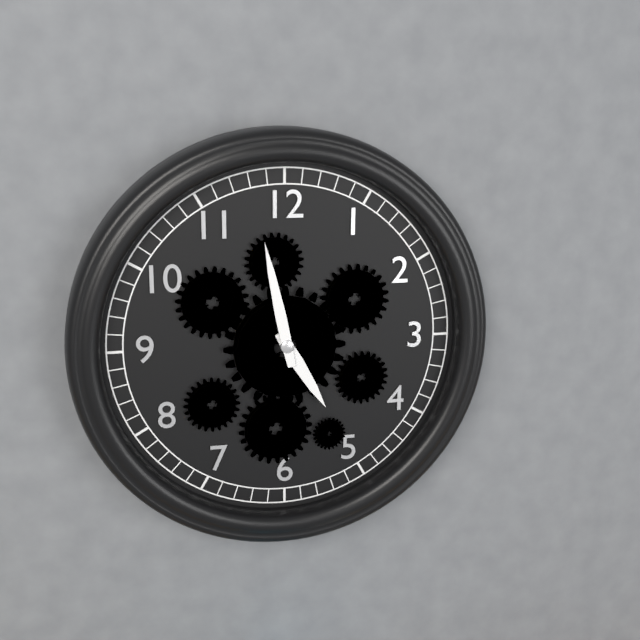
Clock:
{"hour": 4, "minute": 58}
